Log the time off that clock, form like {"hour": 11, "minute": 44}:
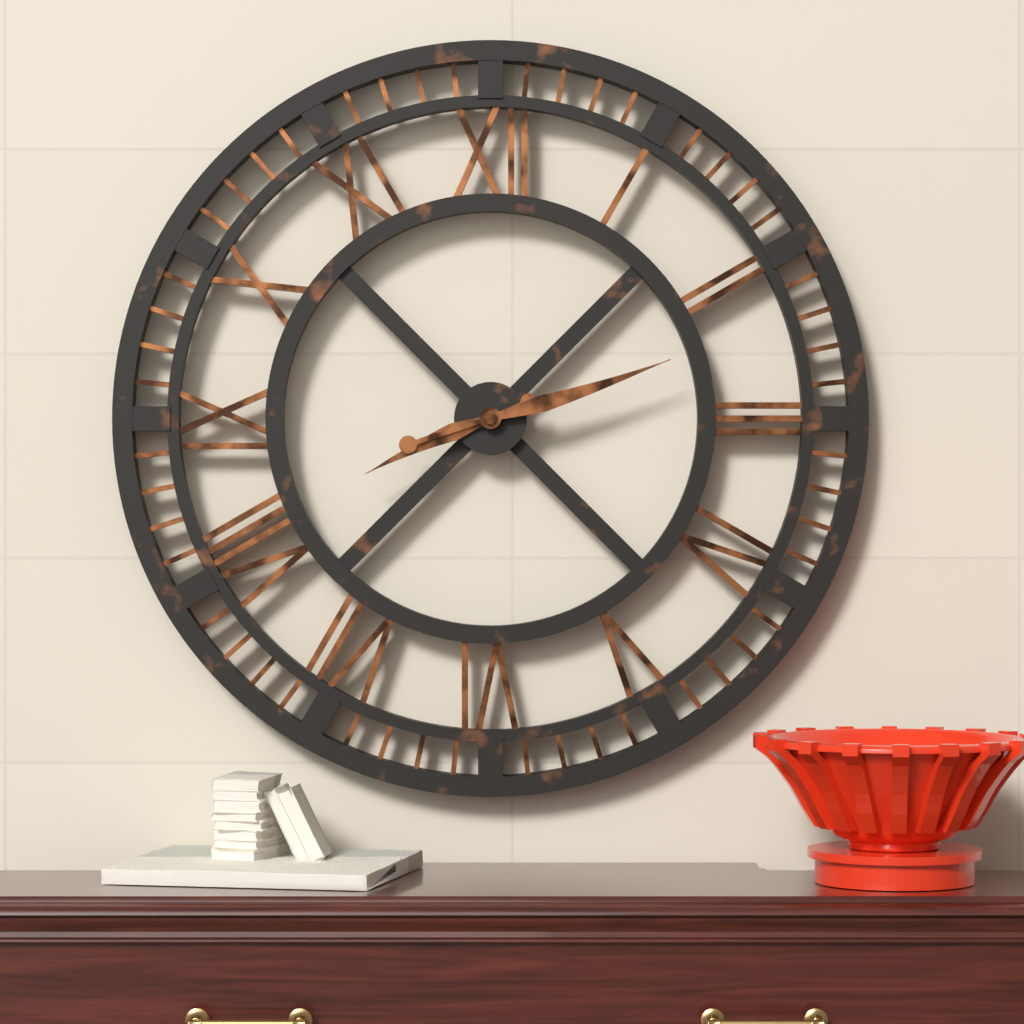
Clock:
{"hour": 8, "minute": 12}
